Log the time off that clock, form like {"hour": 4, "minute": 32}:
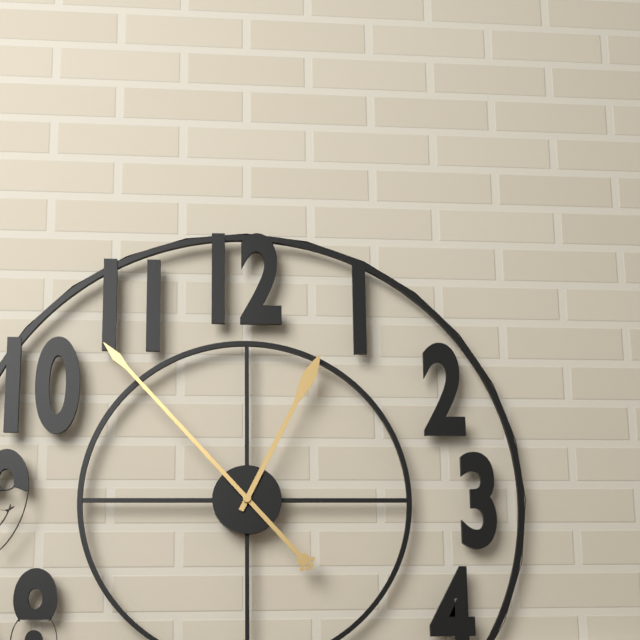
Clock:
{"hour": 12, "minute": 53}
